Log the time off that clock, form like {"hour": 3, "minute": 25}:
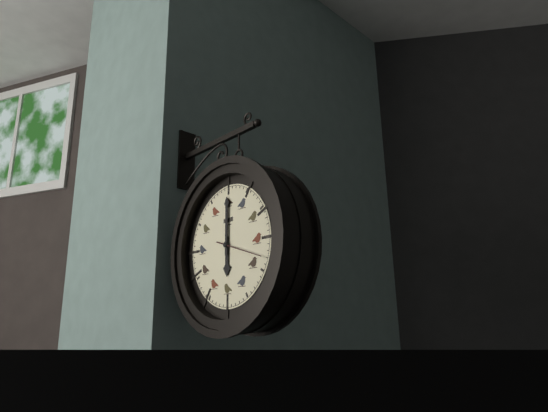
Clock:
{"hour": 6, "minute": 0}
